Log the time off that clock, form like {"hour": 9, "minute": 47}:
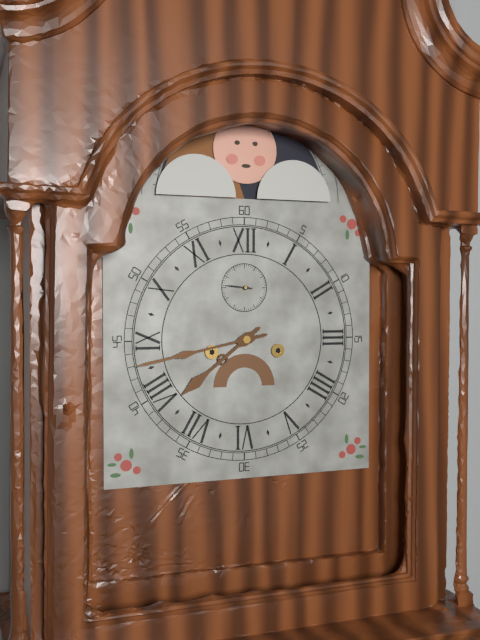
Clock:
{"hour": 7, "minute": 43}
